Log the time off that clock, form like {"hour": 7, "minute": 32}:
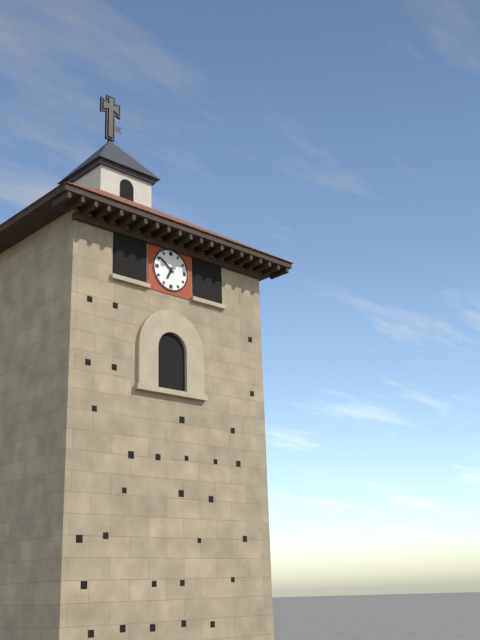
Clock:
{"hour": 6, "minute": 51}
